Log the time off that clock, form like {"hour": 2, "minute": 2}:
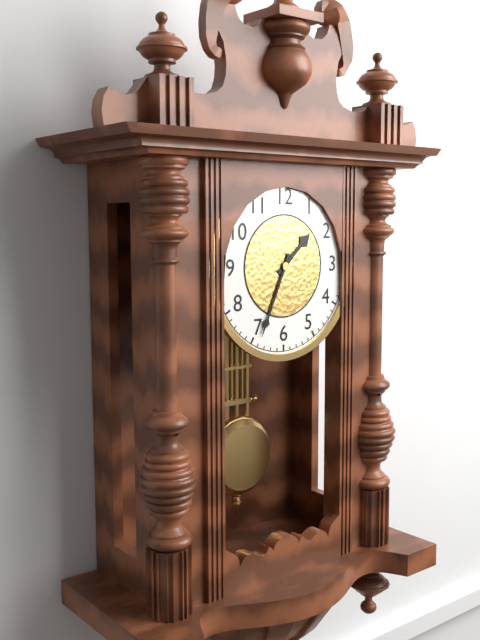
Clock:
{"hour": 1, "minute": 34}
